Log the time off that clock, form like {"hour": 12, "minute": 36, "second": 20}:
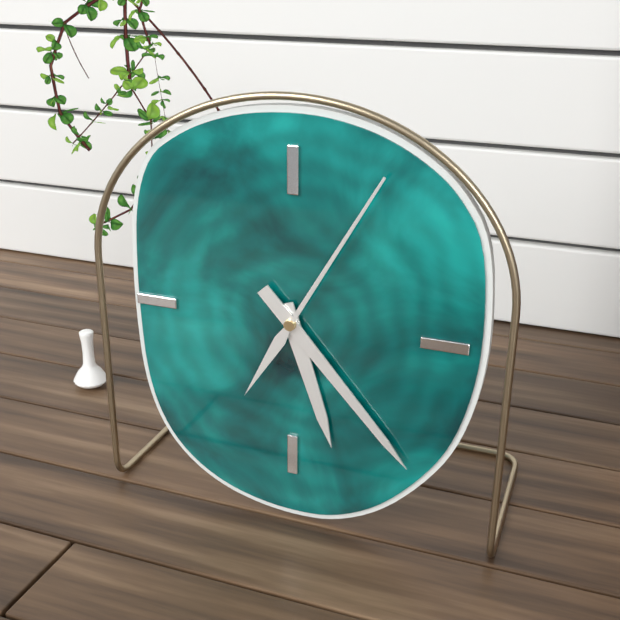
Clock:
{"hour": 5, "minute": 23, "second": 5}
